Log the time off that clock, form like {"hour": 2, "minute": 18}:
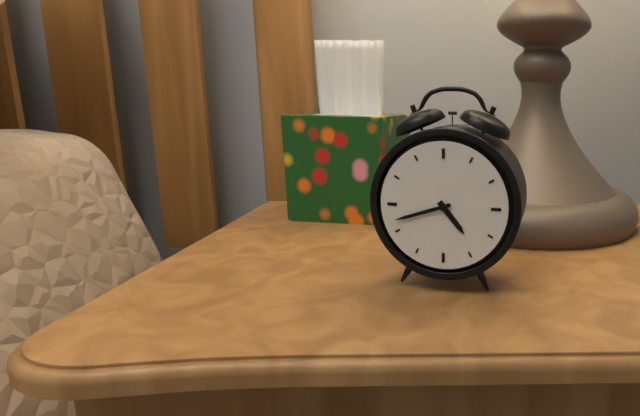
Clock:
{"hour": 4, "minute": 42}
